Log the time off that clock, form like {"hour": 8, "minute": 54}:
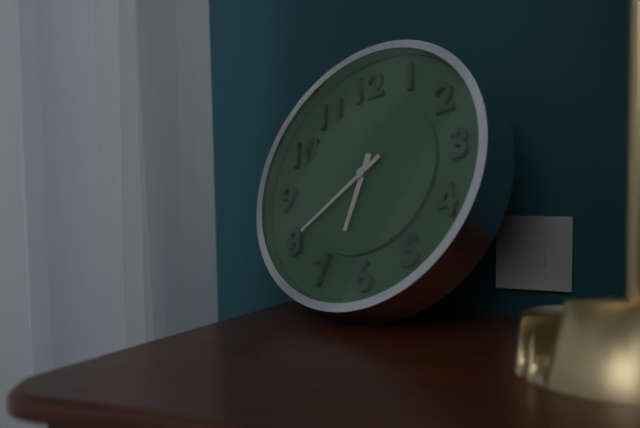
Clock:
{"hour": 6, "minute": 40}
